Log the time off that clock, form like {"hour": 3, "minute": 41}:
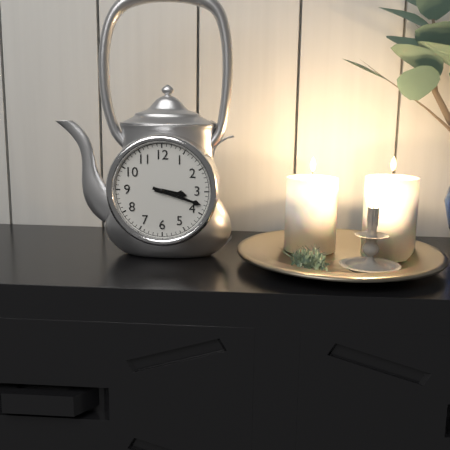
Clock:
{"hour": 3, "minute": 18}
